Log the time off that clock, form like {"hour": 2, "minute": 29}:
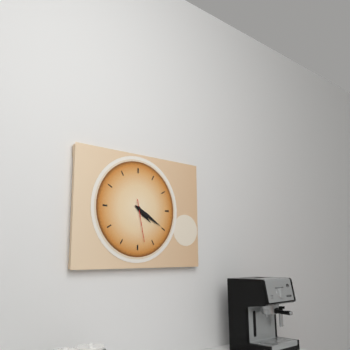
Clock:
{"hour": 4, "minute": 20}
